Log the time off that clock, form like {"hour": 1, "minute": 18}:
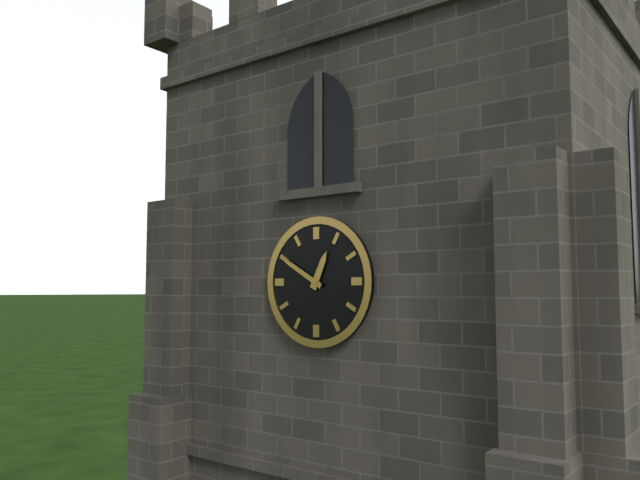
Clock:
{"hour": 12, "minute": 50}
